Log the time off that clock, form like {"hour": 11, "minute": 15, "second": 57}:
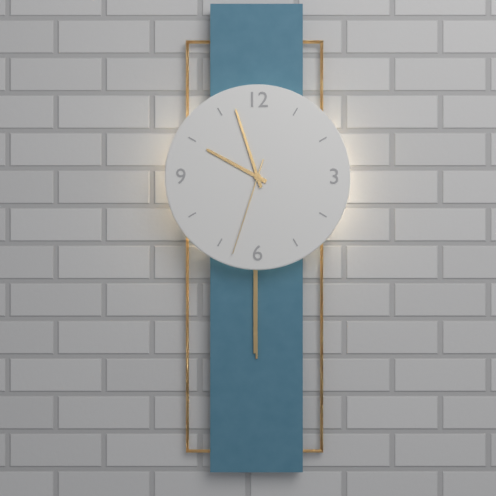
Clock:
{"hour": 9, "minute": 57, "second": 33}
